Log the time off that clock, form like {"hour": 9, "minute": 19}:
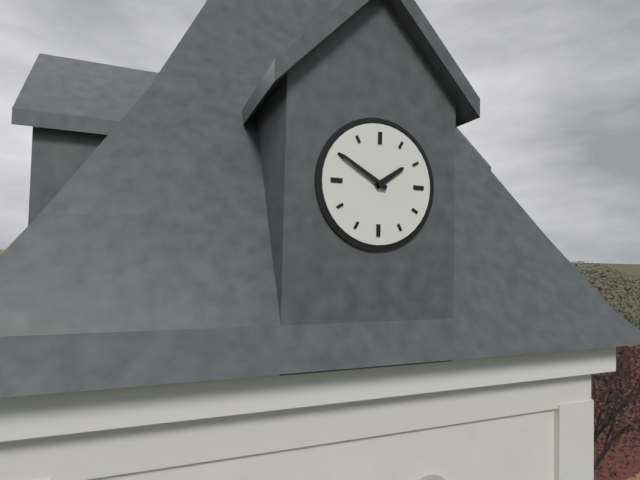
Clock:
{"hour": 1, "minute": 50}
